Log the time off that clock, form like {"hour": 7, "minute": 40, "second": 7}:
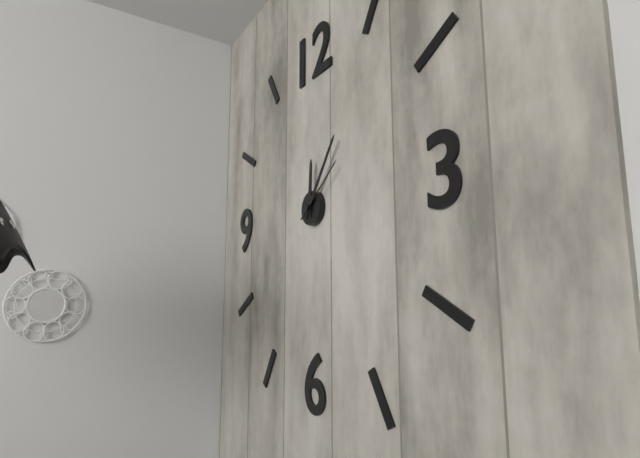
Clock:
{"hour": 12, "minute": 6, "second": 9}
